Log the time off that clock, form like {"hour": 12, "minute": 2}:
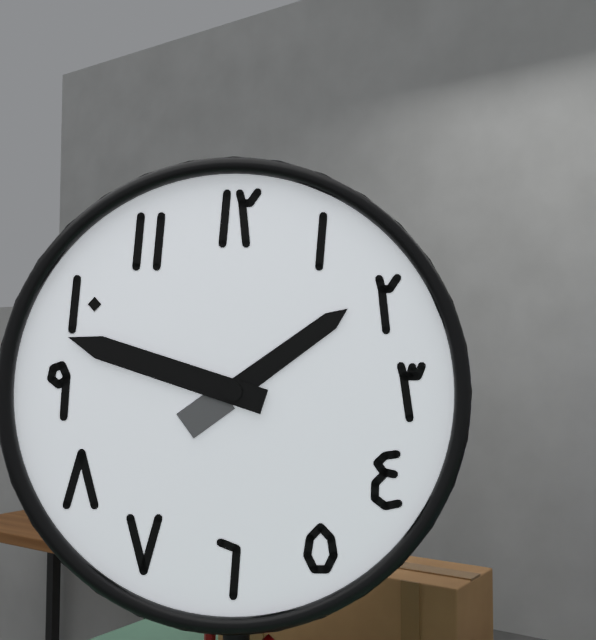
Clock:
{"hour": 1, "minute": 48}
